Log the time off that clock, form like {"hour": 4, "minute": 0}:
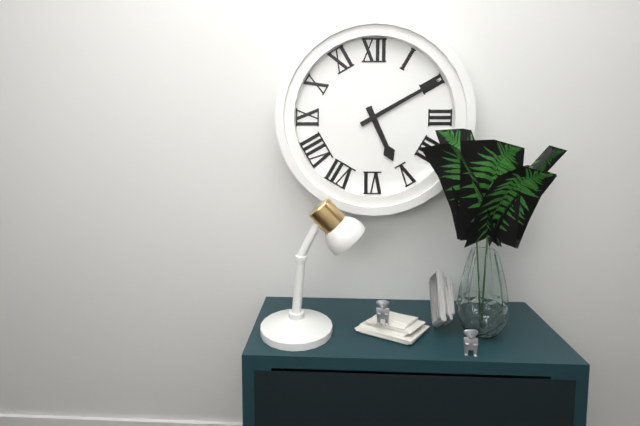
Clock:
{"hour": 5, "minute": 10}
